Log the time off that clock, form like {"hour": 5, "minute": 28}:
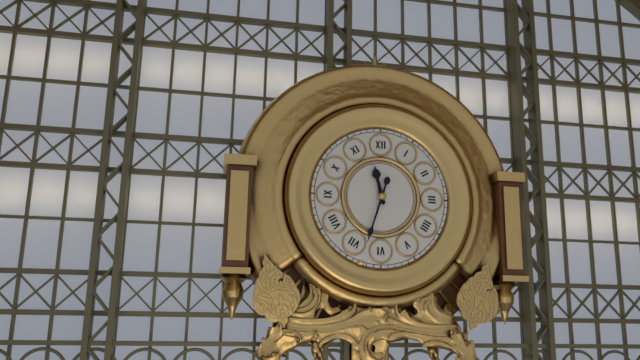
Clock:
{"hour": 11, "minute": 33}
